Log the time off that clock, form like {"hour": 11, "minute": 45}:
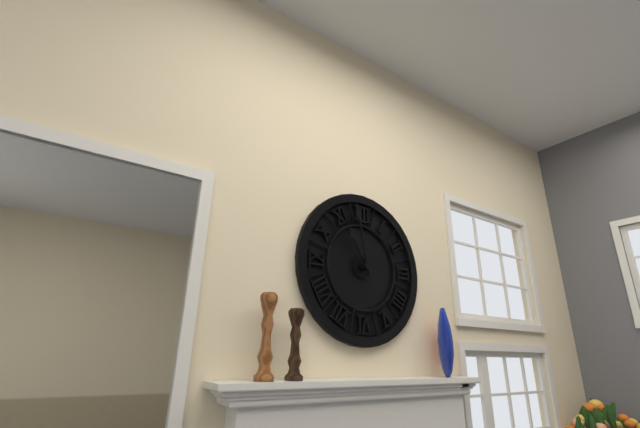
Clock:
{"hour": 10, "minute": 58}
